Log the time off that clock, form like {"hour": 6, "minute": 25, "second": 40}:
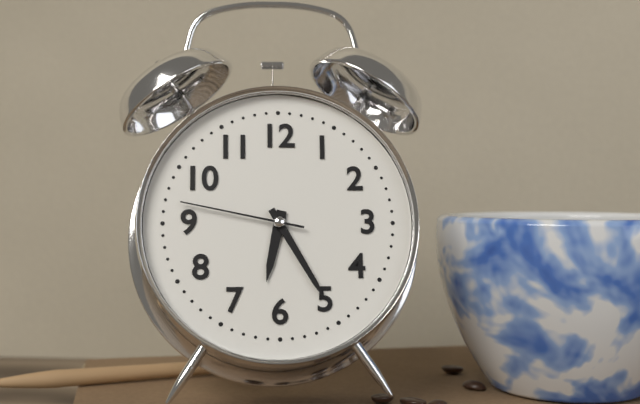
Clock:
{"hour": 6, "minute": 25, "second": 47}
